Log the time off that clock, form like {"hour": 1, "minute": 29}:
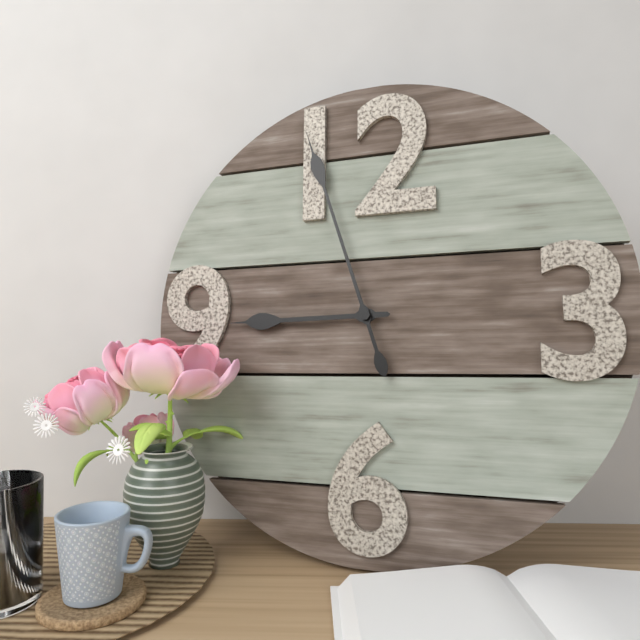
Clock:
{"hour": 8, "minute": 57}
